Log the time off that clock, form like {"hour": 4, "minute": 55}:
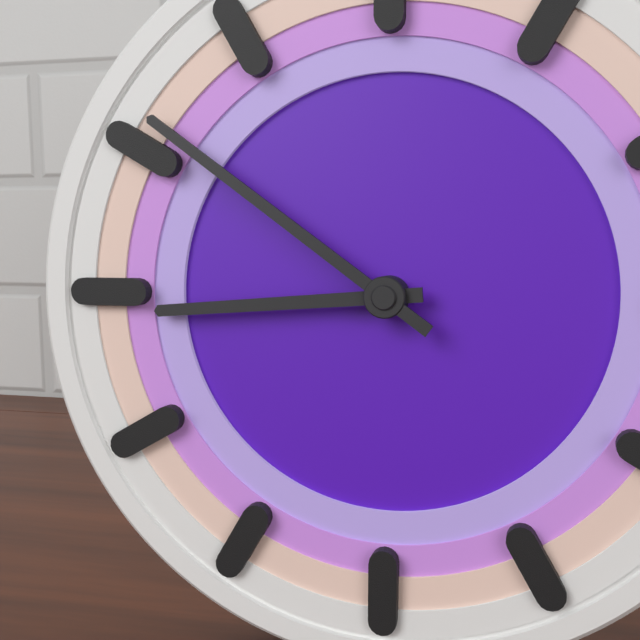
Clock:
{"hour": 8, "minute": 51}
